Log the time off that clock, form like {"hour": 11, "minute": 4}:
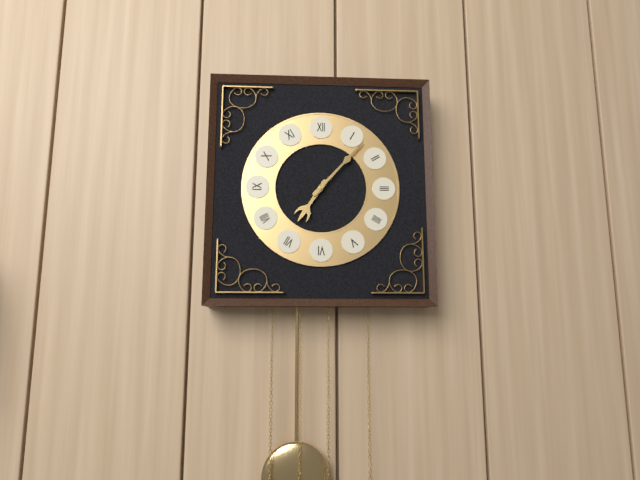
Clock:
{"hour": 7, "minute": 7}
